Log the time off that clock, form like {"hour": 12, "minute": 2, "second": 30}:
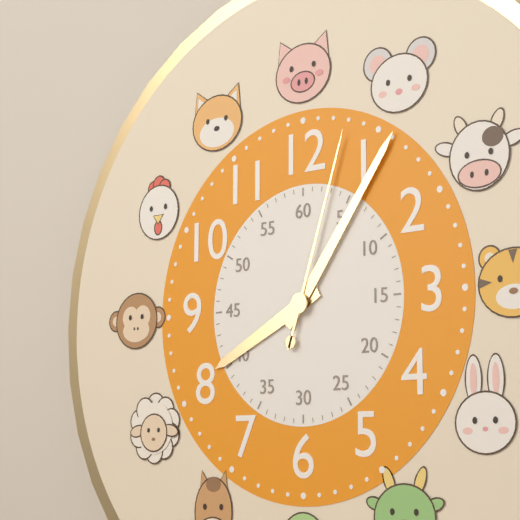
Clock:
{"hour": 8, "minute": 6, "second": 3}
